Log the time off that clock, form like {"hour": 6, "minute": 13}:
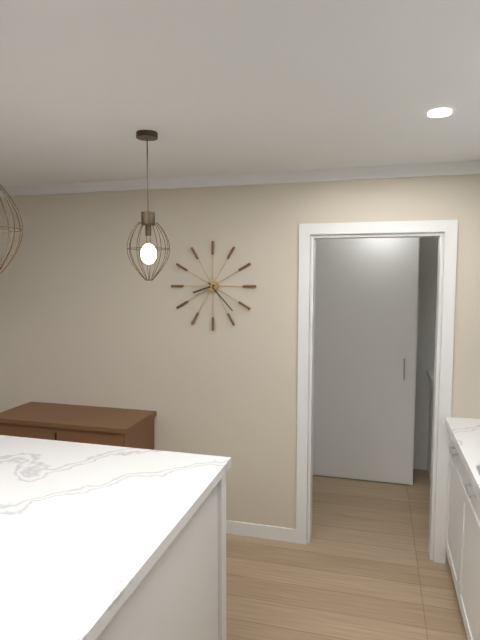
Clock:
{"hour": 8, "minute": 23}
